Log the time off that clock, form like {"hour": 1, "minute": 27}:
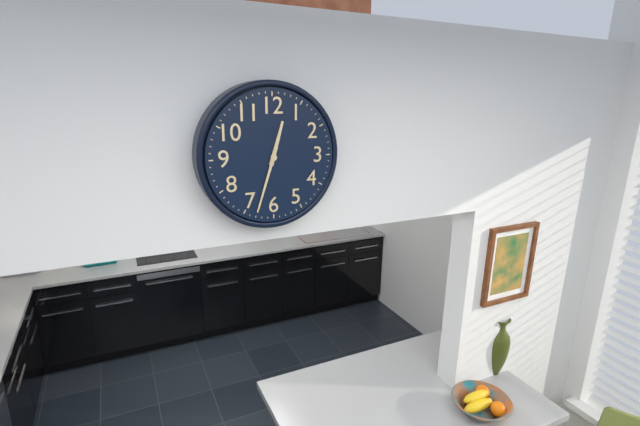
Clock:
{"hour": 12, "minute": 33}
